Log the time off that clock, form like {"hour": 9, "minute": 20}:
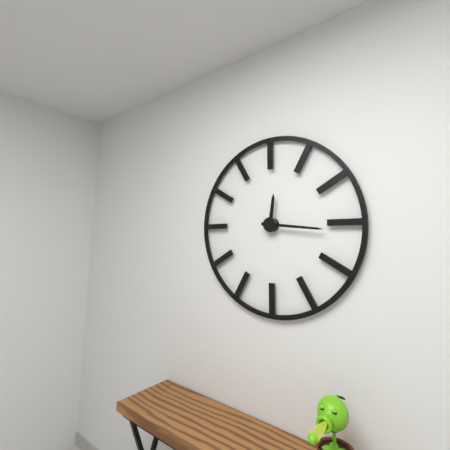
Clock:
{"hour": 12, "minute": 16}
